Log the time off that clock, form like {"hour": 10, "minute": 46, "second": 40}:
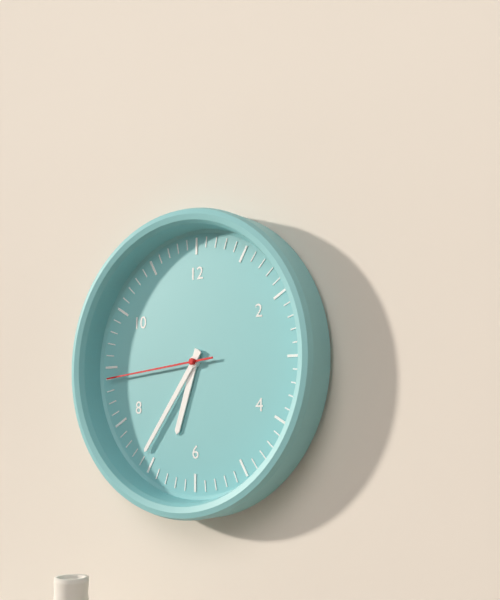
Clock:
{"hour": 6, "minute": 36, "second": 44}
